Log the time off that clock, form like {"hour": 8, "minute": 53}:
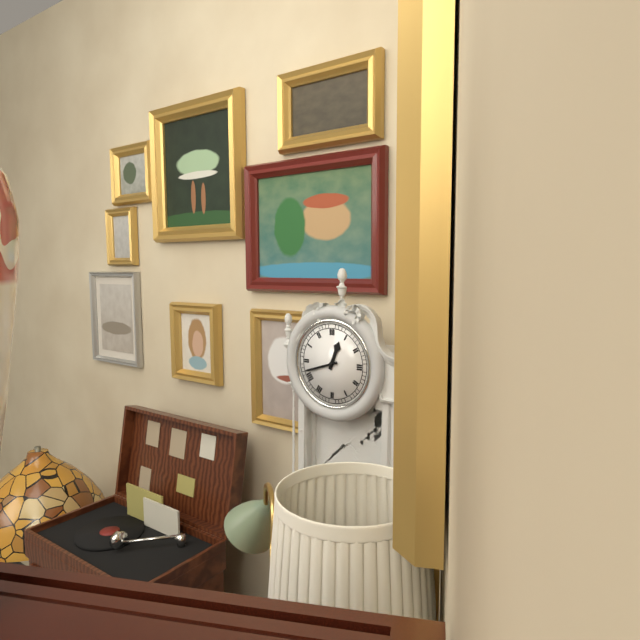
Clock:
{"hour": 12, "minute": 42}
